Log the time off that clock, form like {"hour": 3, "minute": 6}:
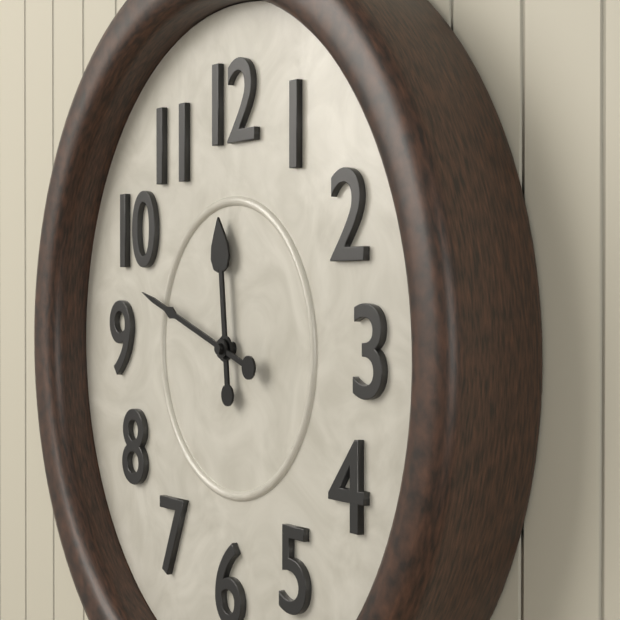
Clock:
{"hour": 11, "minute": 48}
